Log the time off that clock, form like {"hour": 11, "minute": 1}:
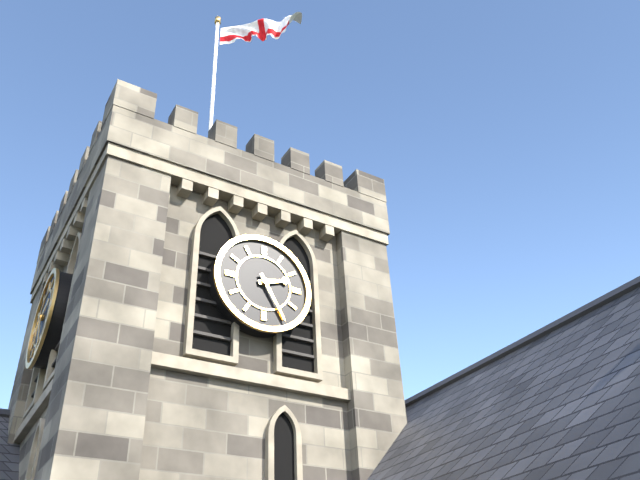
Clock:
{"hour": 2, "minute": 25}
